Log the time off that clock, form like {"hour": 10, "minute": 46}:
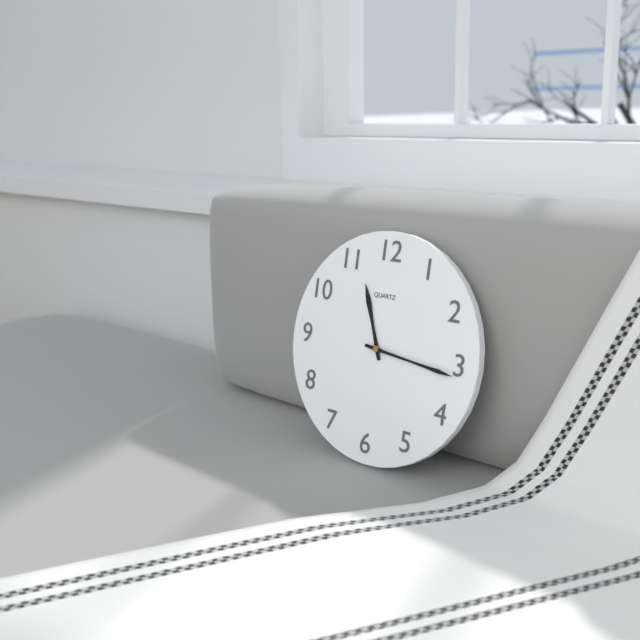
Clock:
{"hour": 11, "minute": 16}
